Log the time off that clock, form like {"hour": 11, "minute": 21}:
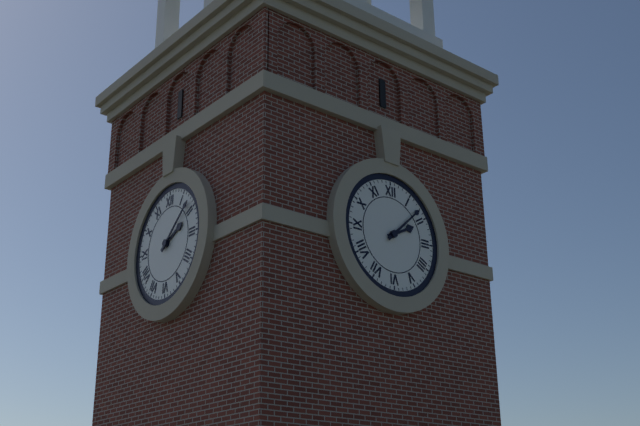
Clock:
{"hour": 2, "minute": 8}
